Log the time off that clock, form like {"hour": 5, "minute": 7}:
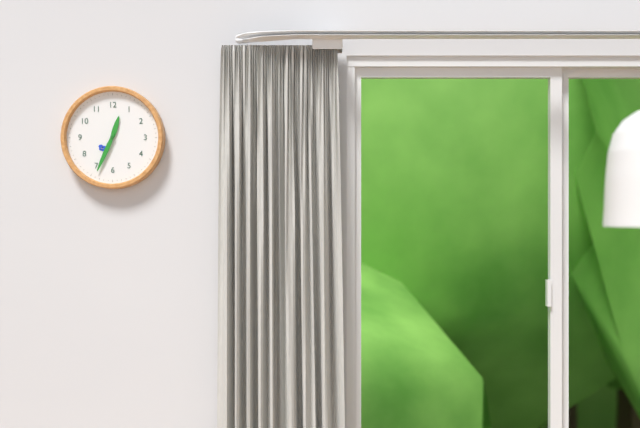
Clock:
{"hour": 12, "minute": 34}
